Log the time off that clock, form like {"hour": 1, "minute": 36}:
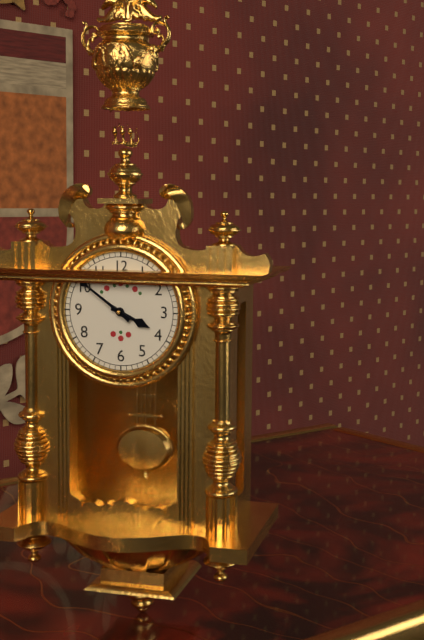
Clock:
{"hour": 3, "minute": 51}
